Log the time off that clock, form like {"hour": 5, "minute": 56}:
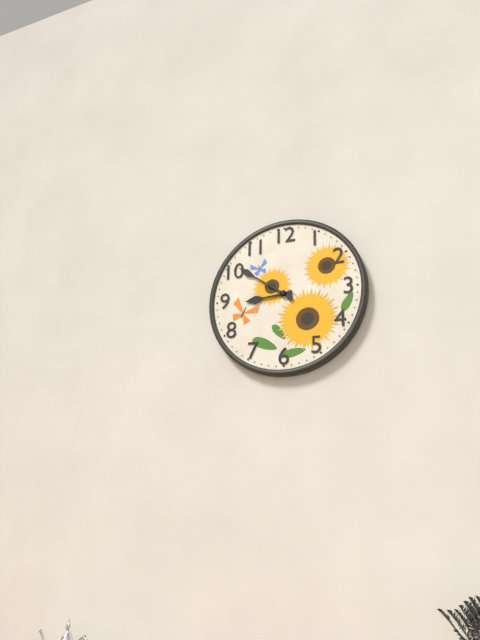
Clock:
{"hour": 8, "minute": 51}
